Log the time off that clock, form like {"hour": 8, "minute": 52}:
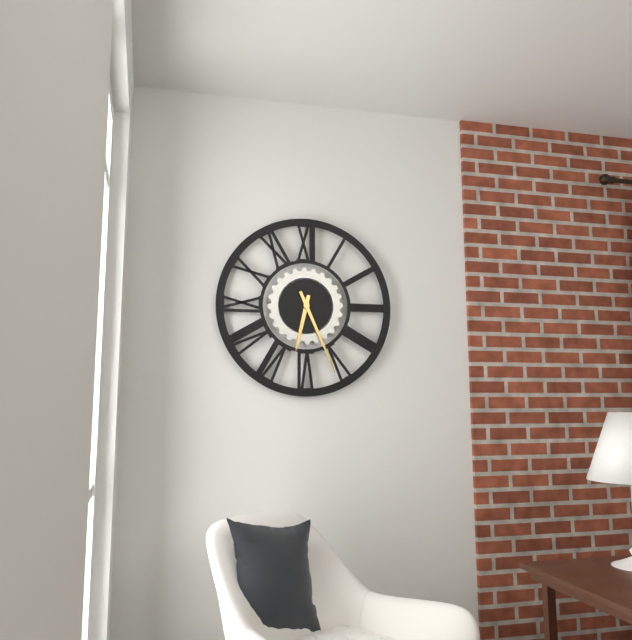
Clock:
{"hour": 6, "minute": 26}
